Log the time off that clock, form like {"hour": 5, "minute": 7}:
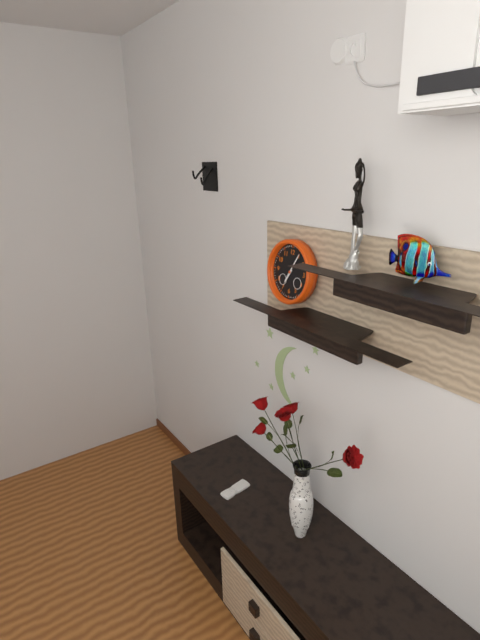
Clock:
{"hour": 7, "minute": 5}
